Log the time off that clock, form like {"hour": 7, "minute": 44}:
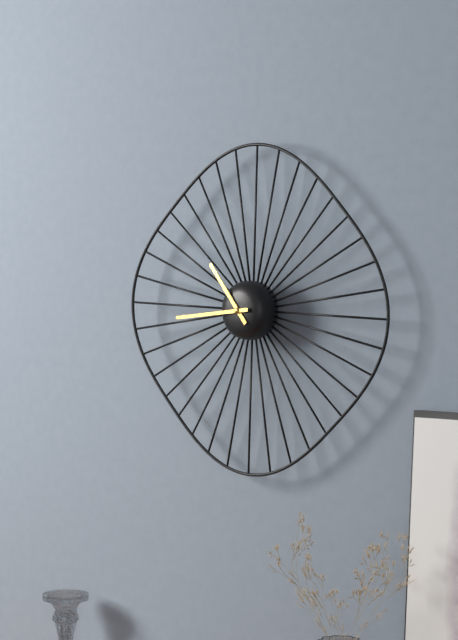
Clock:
{"hour": 10, "minute": 44}
